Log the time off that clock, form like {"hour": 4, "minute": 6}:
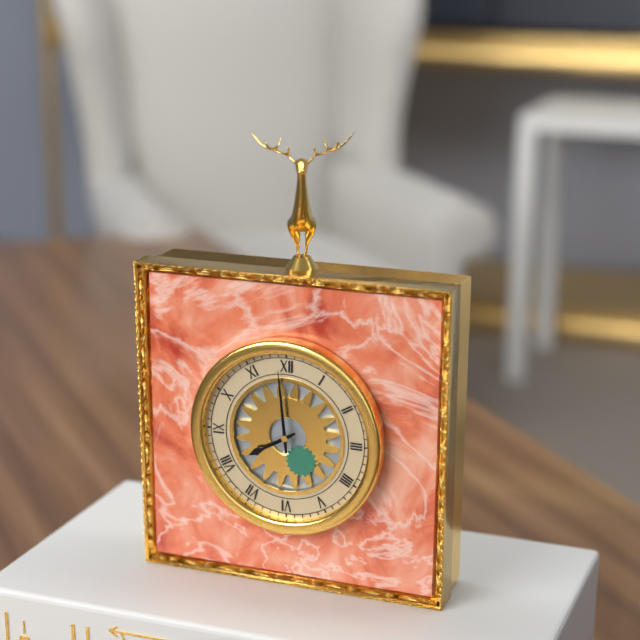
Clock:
{"hour": 7, "minute": 59}
